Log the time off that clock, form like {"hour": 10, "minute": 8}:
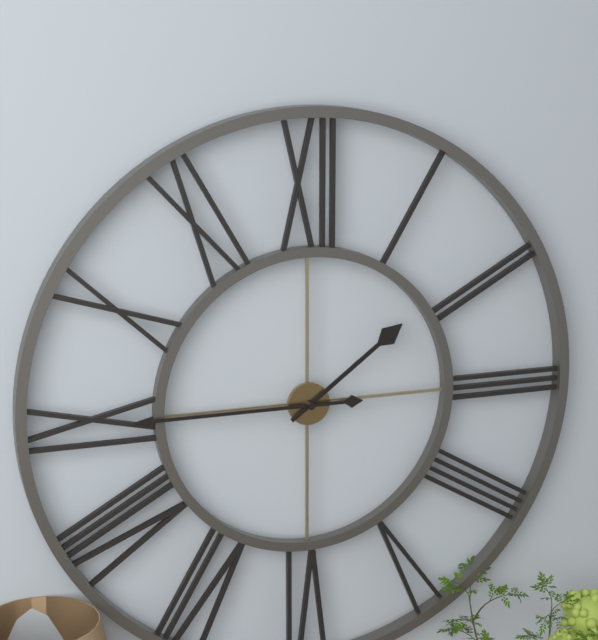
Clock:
{"hour": 1, "minute": 45}
